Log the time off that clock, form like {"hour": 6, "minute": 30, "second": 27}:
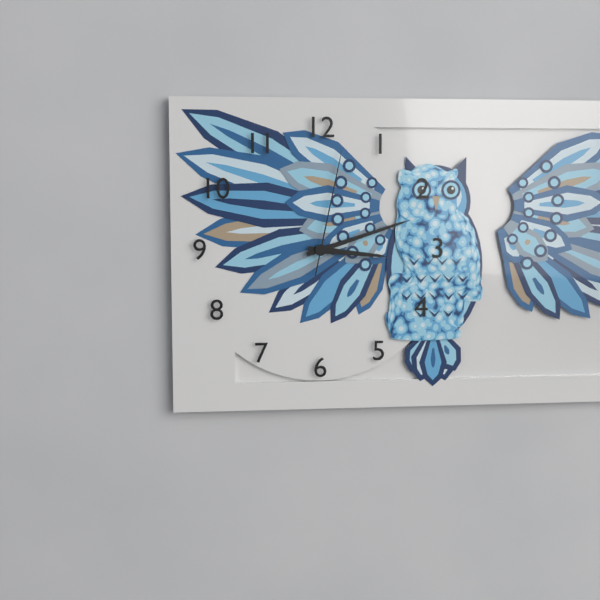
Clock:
{"hour": 3, "minute": 12, "second": 2}
